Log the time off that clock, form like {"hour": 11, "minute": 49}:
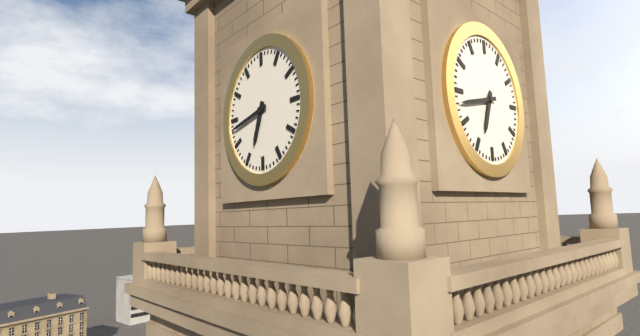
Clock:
{"hour": 6, "minute": 43}
